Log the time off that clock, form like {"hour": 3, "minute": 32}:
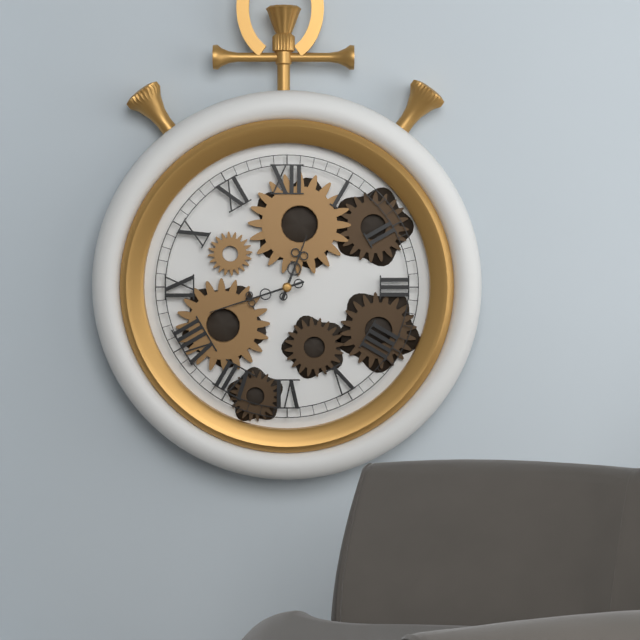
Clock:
{"hour": 12, "minute": 42}
